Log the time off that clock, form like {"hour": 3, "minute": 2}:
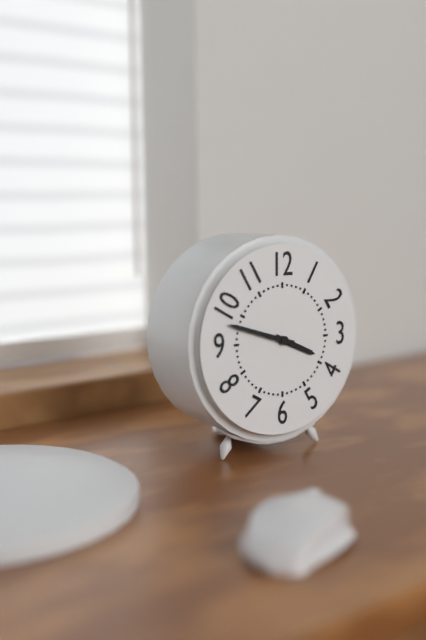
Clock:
{"hour": 3, "minute": 48}
